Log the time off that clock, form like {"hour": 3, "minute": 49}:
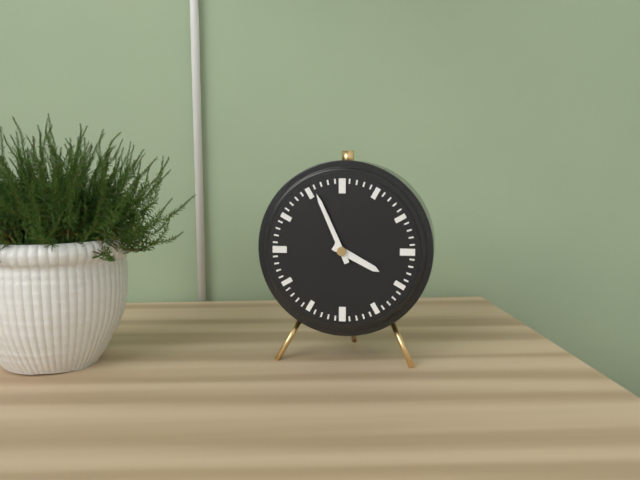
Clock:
{"hour": 3, "minute": 56}
